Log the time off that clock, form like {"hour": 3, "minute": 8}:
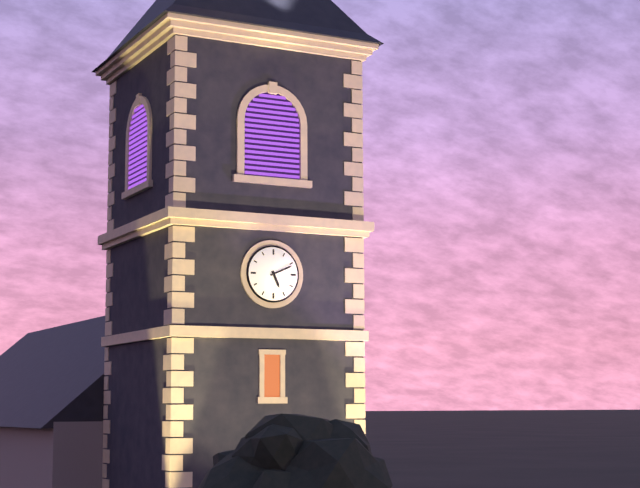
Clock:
{"hour": 5, "minute": 11}
